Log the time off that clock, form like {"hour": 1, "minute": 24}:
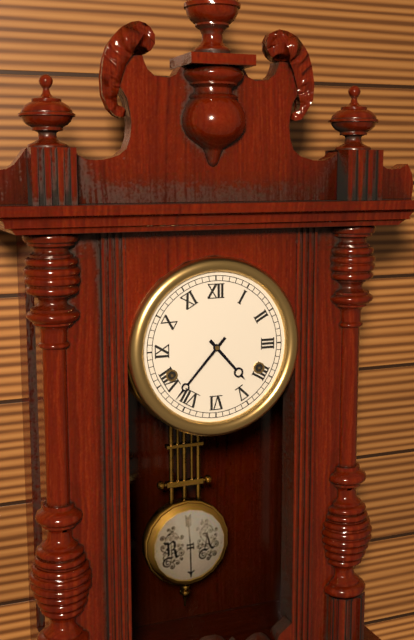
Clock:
{"hour": 4, "minute": 37}
